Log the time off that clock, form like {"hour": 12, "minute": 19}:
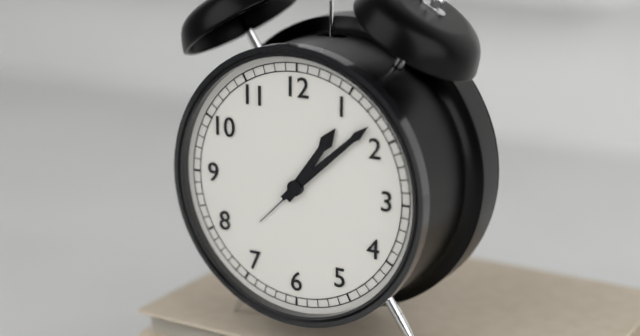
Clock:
{"hour": 1, "minute": 8}
